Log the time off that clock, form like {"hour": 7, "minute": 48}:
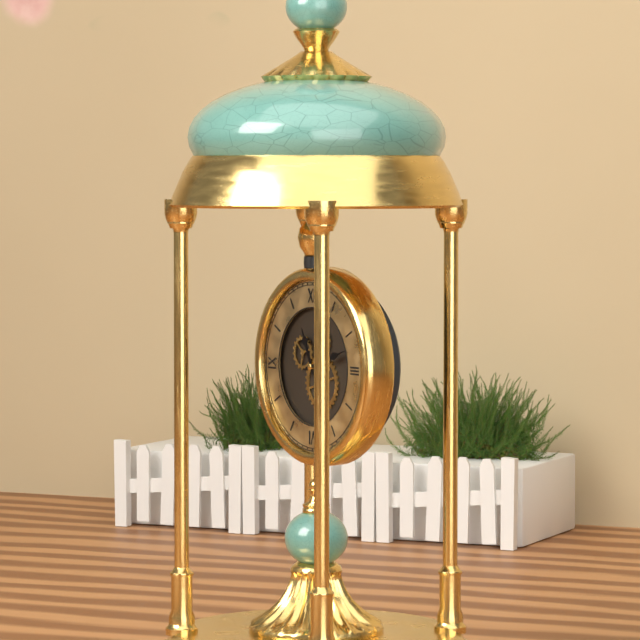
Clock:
{"hour": 11, "minute": 12}
